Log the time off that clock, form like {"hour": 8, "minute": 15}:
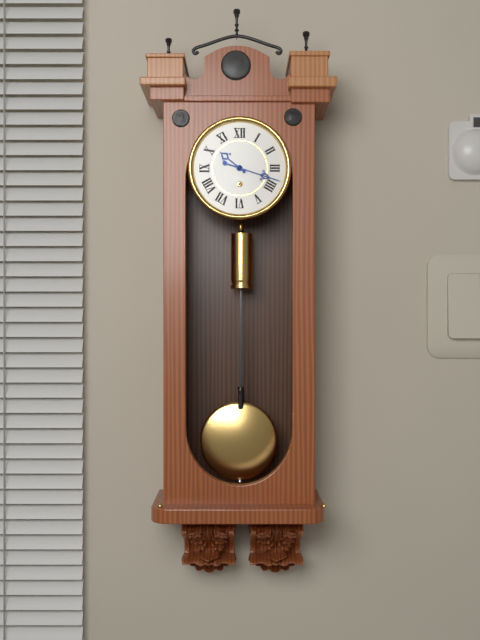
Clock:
{"hour": 10, "minute": 18}
